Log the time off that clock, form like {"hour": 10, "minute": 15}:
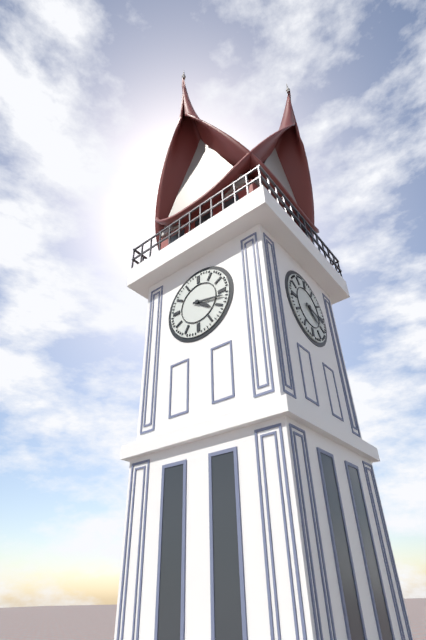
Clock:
{"hour": 4, "minute": 17}
